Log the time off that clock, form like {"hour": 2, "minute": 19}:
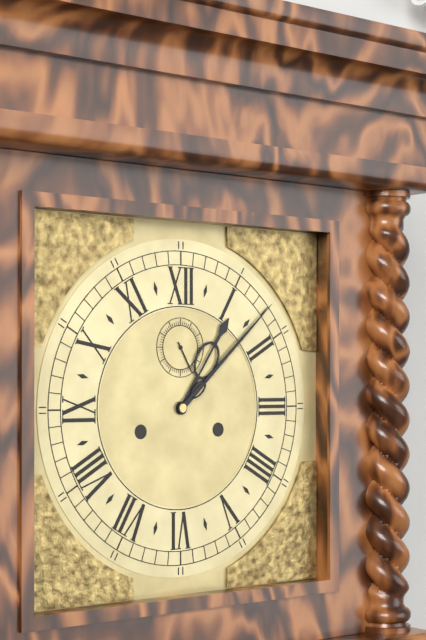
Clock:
{"hour": 1, "minute": 8}
